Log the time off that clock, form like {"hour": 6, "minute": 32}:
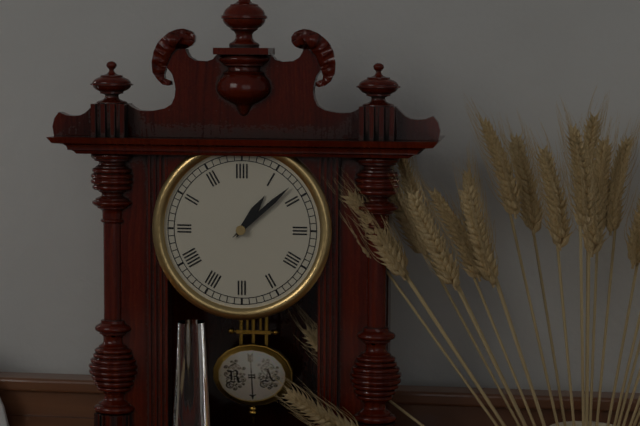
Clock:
{"hour": 1, "minute": 8}
